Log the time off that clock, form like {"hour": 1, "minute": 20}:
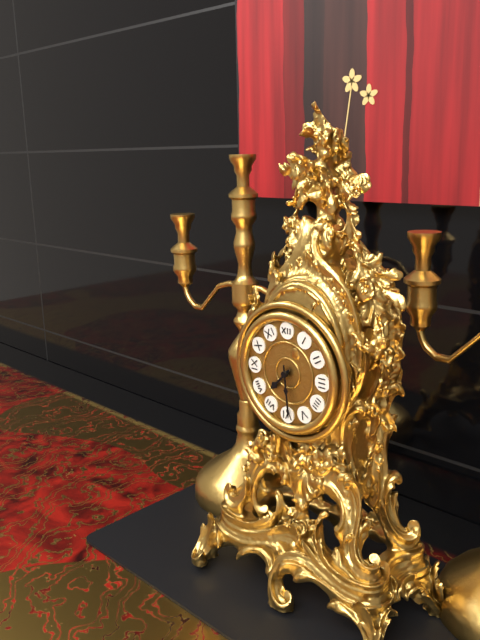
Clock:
{"hour": 7, "minute": 29}
